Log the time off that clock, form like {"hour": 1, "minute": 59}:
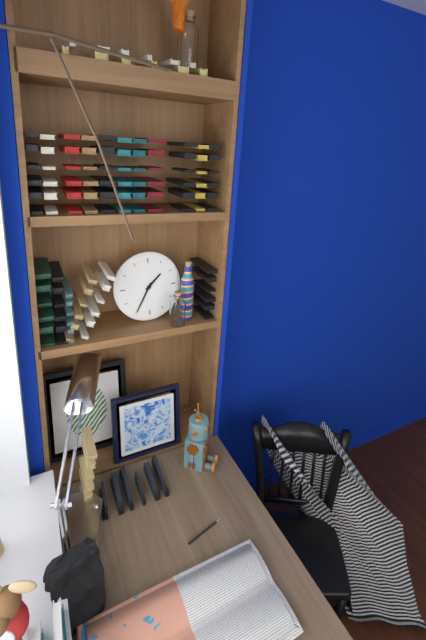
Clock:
{"hour": 1, "minute": 35}
